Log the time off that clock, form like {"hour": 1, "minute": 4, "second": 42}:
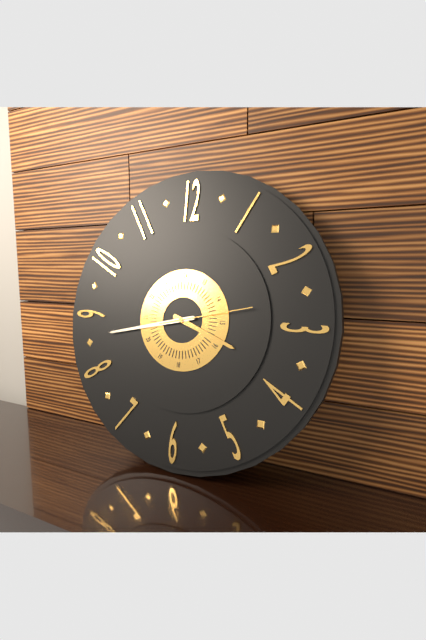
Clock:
{"hour": 3, "minute": 43, "second": 13}
